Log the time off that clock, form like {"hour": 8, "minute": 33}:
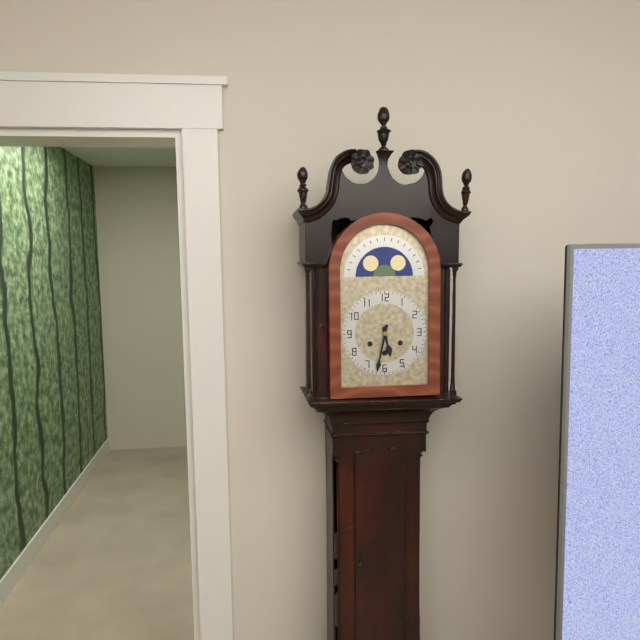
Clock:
{"hour": 5, "minute": 32}
